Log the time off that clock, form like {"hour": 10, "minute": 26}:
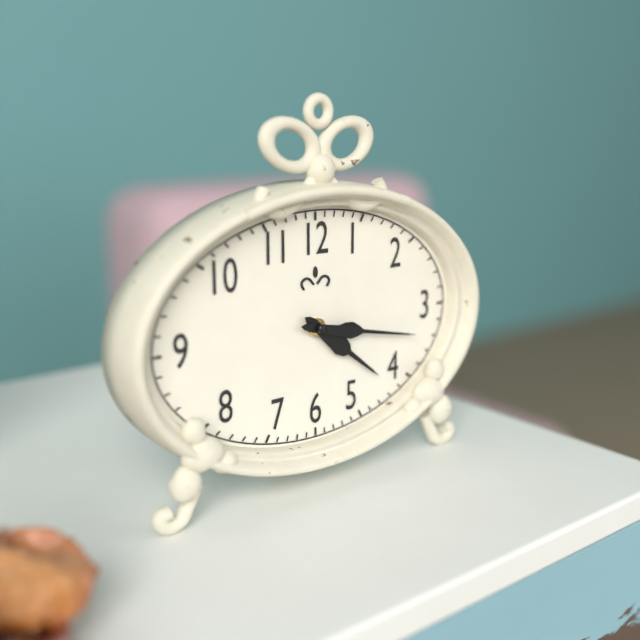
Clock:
{"hour": 4, "minute": 17}
